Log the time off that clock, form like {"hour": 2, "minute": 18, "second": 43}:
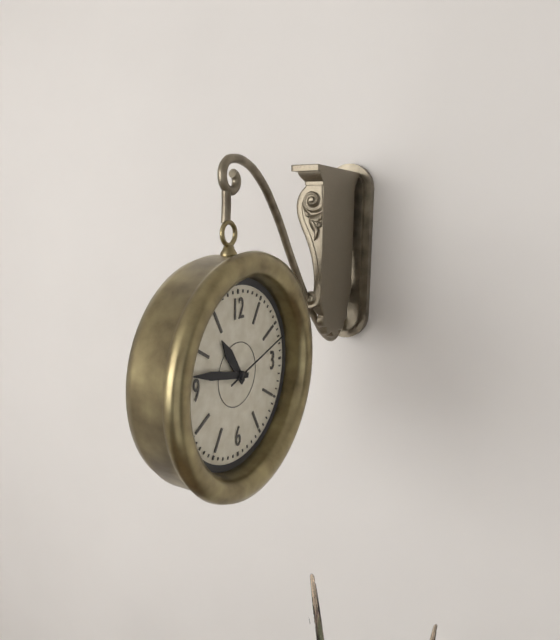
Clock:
{"hour": 10, "minute": 47, "second": 12}
